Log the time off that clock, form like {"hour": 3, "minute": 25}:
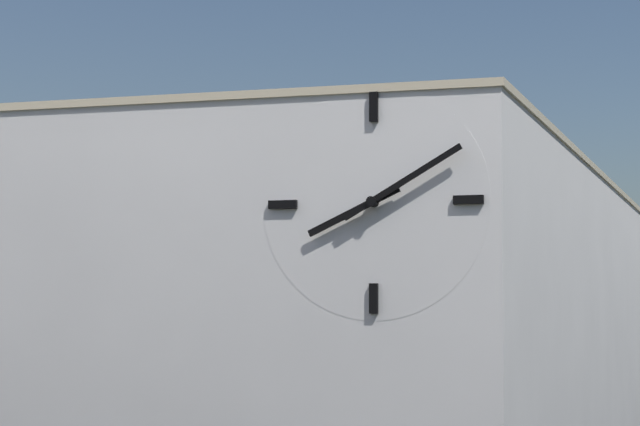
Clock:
{"hour": 8, "minute": 10}
